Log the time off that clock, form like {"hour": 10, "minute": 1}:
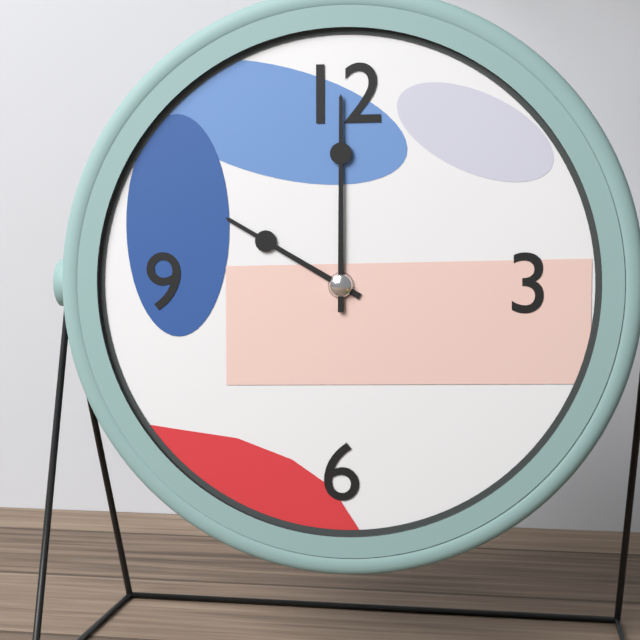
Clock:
{"hour": 10, "minute": 0}
